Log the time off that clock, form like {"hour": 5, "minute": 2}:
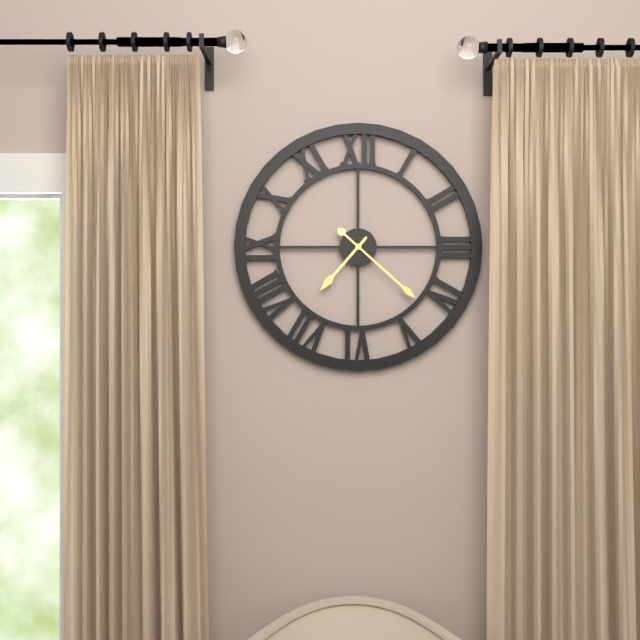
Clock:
{"hour": 7, "minute": 22}
